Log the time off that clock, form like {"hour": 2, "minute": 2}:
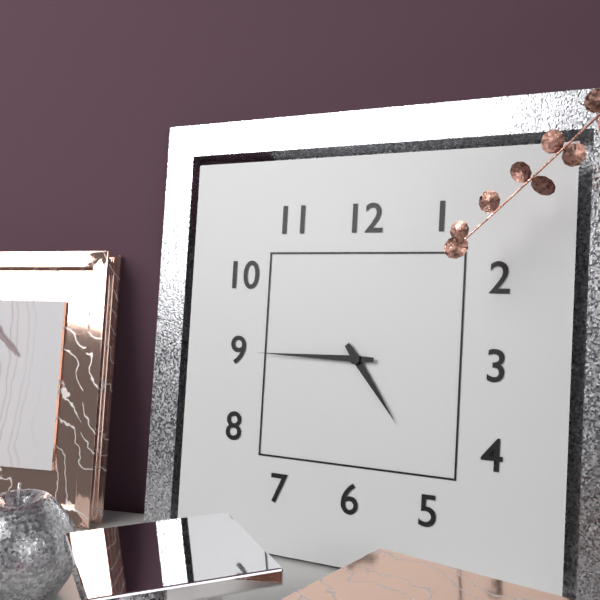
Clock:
{"hour": 4, "minute": 45}
